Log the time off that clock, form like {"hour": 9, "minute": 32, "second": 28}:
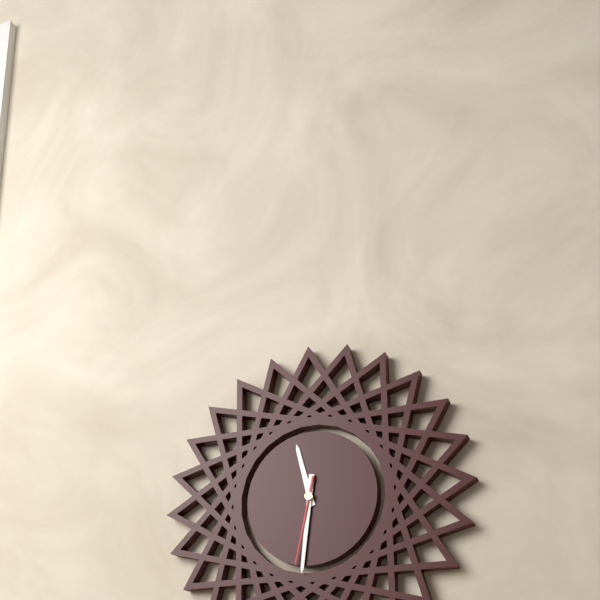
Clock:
{"hour": 11, "minute": 31, "second": 32}
